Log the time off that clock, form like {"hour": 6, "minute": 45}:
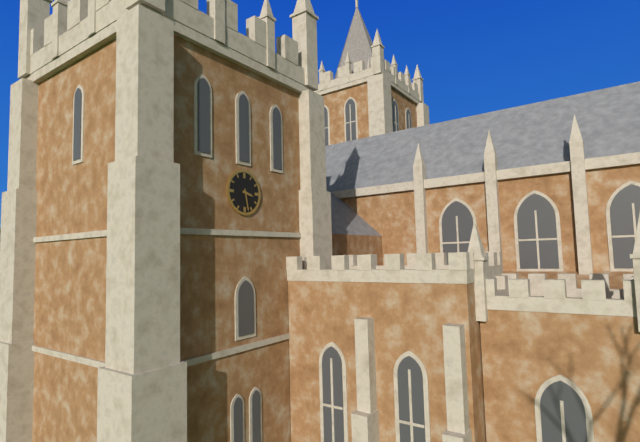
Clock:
{"hour": 3, "minute": 28}
